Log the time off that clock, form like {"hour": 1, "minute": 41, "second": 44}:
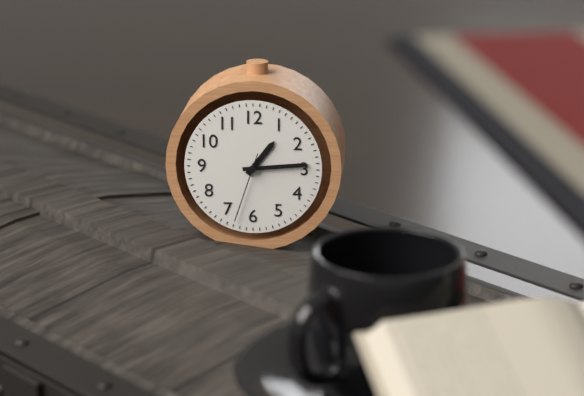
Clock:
{"hour": 1, "minute": 14, "second": 33}
